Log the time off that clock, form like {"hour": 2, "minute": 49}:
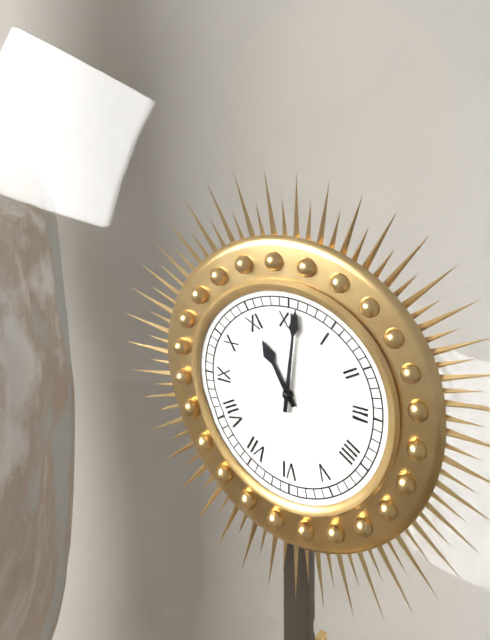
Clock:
{"hour": 11, "minute": 1}
